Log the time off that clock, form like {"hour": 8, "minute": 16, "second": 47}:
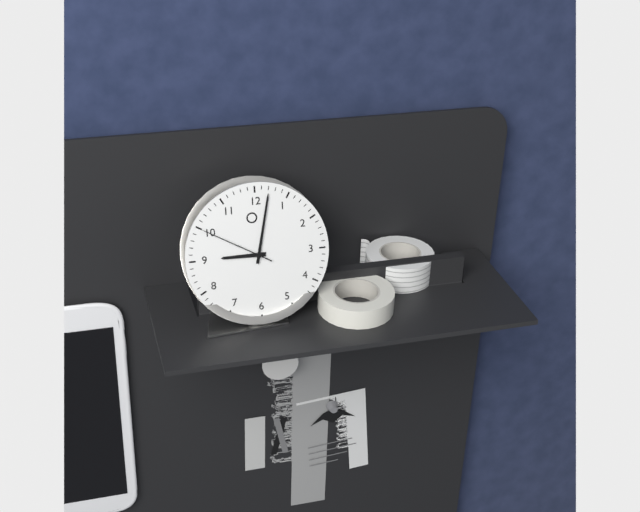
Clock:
{"hour": 9, "minute": 2, "second": 50}
